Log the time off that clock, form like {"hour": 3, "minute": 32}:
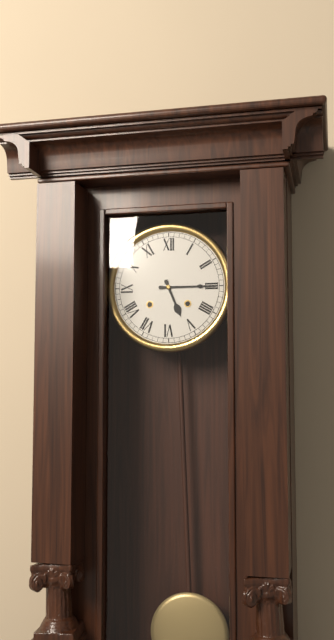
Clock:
{"hour": 5, "minute": 15}
